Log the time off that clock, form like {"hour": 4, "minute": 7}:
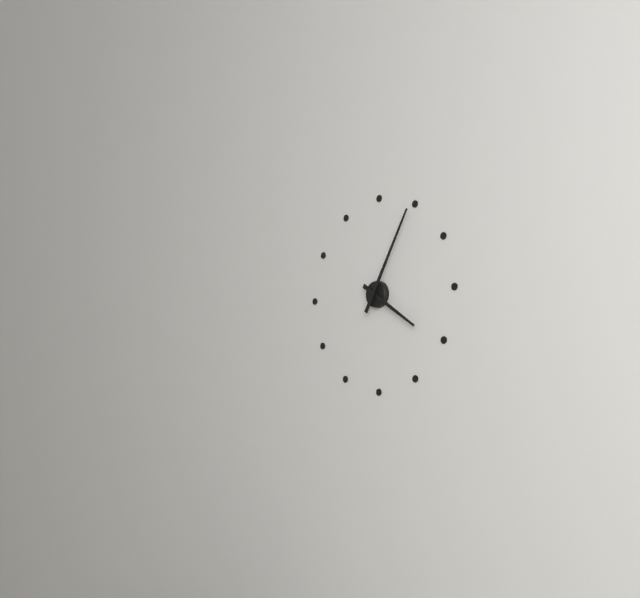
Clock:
{"hour": 4, "minute": 5}
